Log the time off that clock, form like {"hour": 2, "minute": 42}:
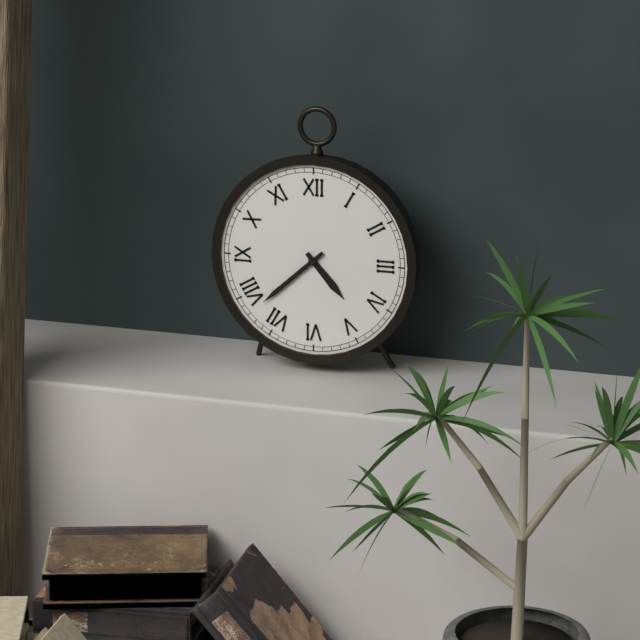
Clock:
{"hour": 4, "minute": 38}
